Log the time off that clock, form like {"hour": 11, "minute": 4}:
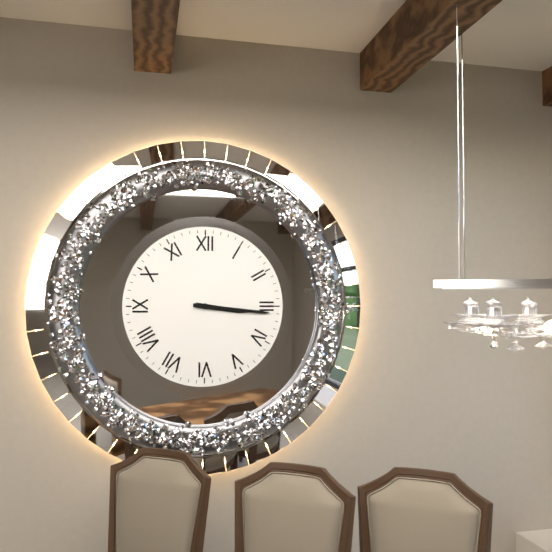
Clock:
{"hour": 3, "minute": 16}
